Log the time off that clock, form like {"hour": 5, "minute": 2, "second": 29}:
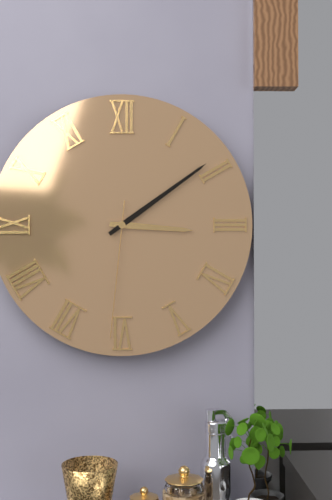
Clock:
{"hour": 3, "minute": 9, "second": 31}
